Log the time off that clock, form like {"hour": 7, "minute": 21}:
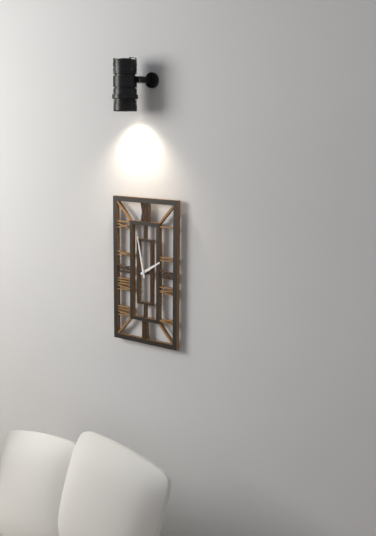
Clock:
{"hour": 1, "minute": 58}
